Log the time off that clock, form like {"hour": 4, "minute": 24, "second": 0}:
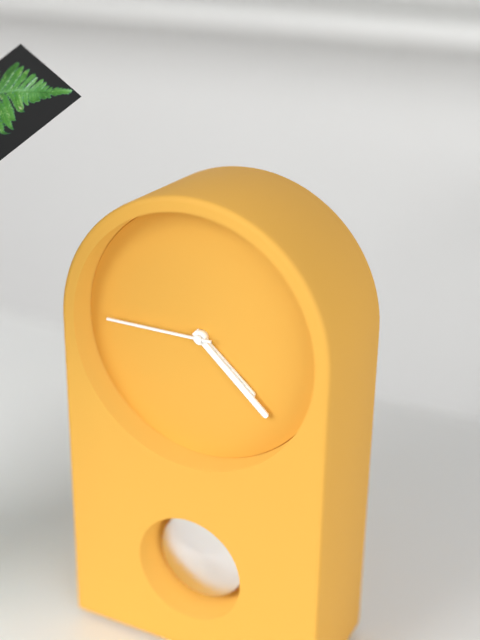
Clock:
{"hour": 4, "minute": 22, "second": 45}
